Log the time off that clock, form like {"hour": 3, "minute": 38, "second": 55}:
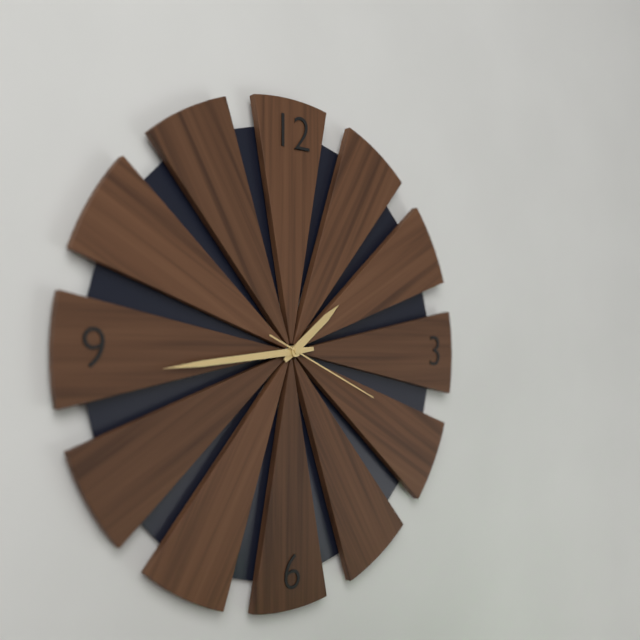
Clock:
{"hour": 1, "minute": 44, "second": 19}
